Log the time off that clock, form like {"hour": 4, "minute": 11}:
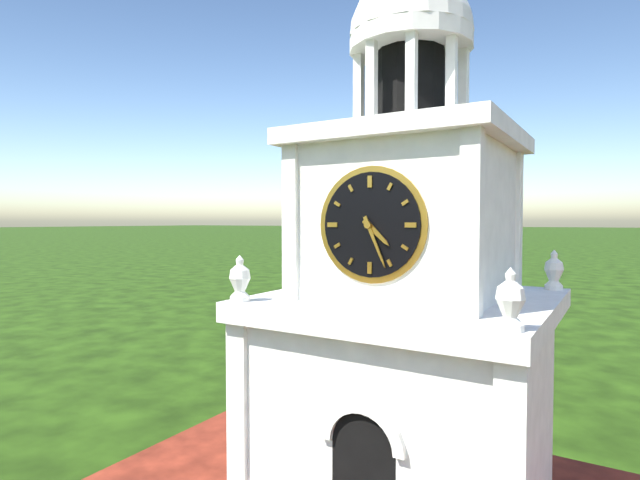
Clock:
{"hour": 4, "minute": 26}
